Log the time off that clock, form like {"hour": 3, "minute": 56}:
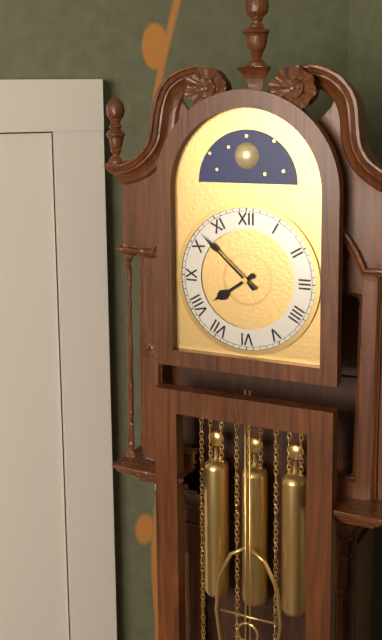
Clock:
{"hour": 7, "minute": 52}
